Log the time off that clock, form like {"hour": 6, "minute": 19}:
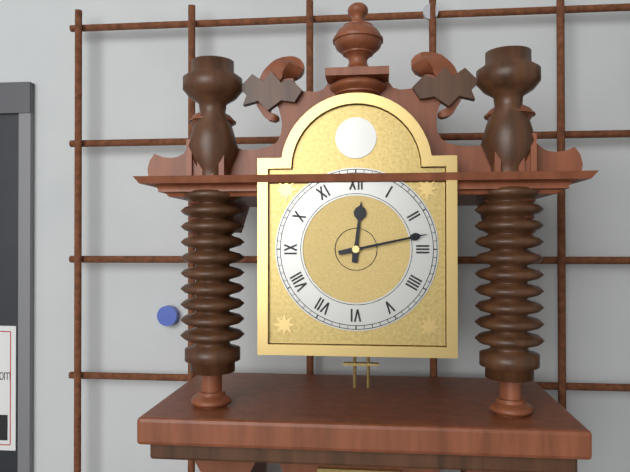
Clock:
{"hour": 12, "minute": 13}
